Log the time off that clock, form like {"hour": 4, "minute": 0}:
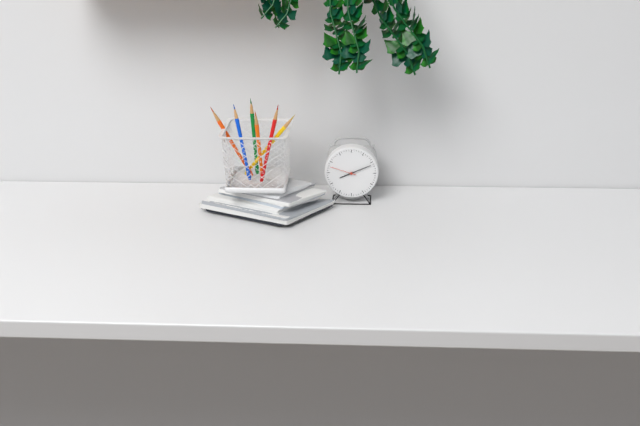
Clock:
{"hour": 8, "minute": 11}
